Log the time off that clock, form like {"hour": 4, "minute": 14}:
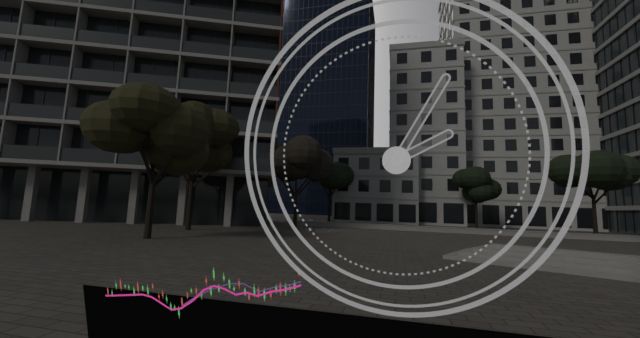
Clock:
{"hour": 2, "minute": 5}
